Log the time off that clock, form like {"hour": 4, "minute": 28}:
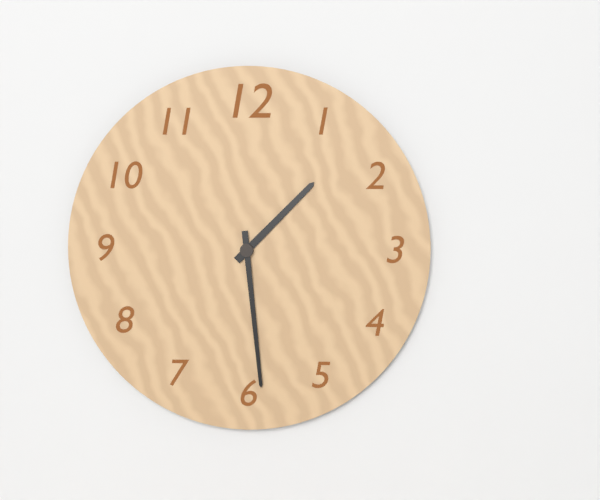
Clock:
{"hour": 1, "minute": 29}
